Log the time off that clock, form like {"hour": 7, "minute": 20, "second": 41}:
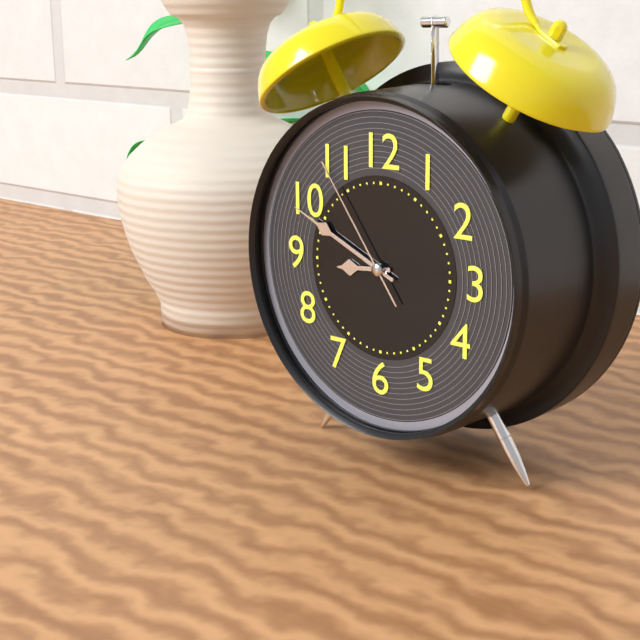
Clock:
{"hour": 8, "minute": 49, "second": 54}
